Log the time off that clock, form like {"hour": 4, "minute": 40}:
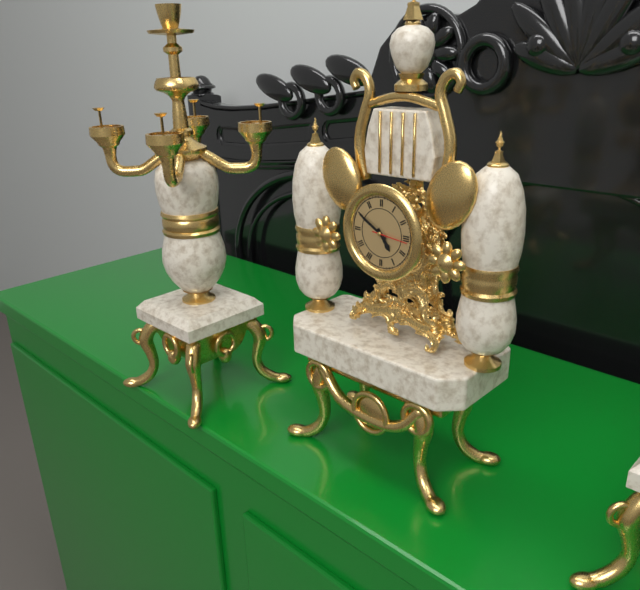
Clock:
{"hour": 4, "minute": 50}
